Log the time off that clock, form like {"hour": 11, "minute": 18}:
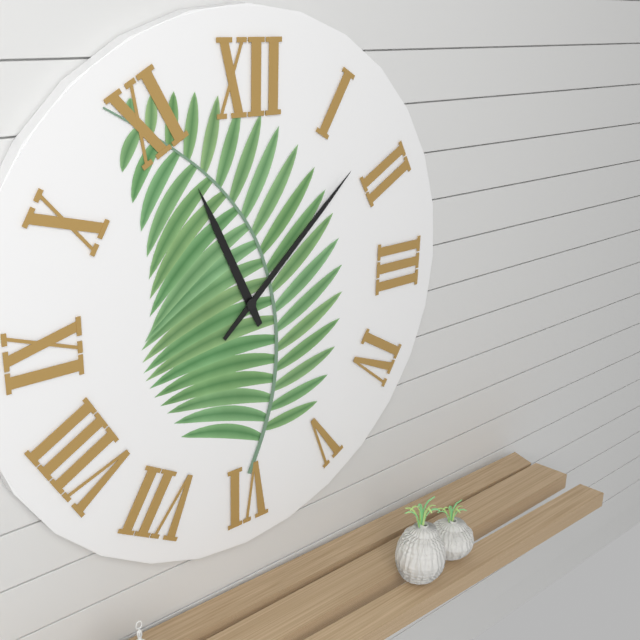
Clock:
{"hour": 11, "minute": 8}
